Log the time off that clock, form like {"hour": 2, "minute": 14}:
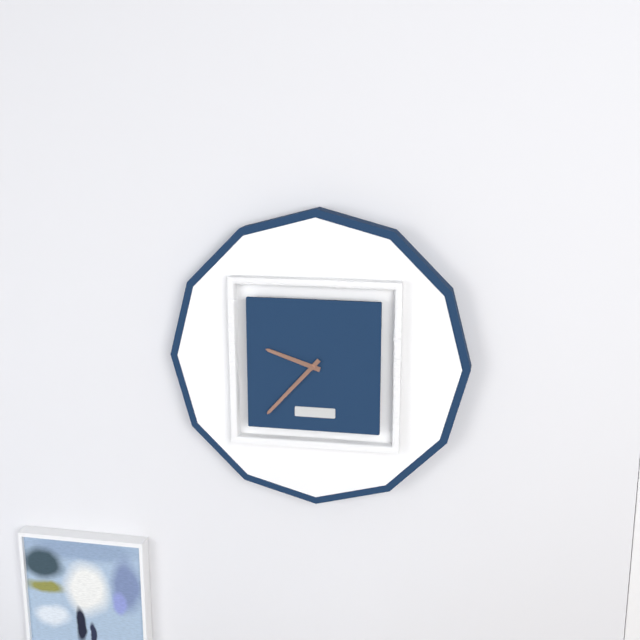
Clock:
{"hour": 9, "minute": 37}
